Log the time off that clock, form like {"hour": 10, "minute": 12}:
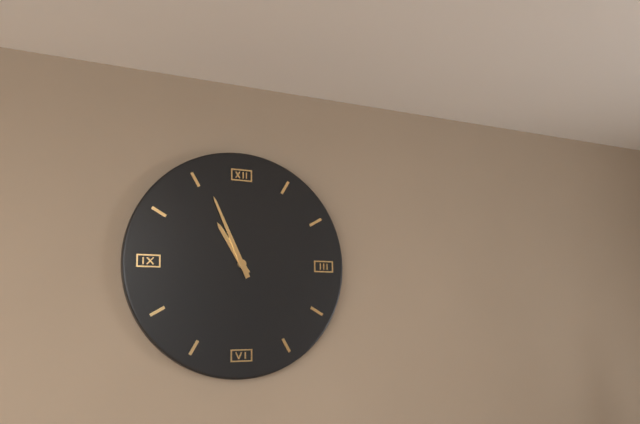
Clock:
{"hour": 10, "minute": 56}
